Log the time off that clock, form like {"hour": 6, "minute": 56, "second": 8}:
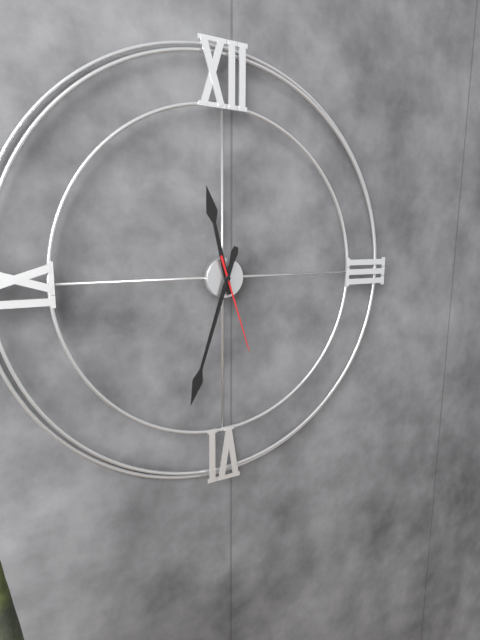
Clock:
{"hour": 11, "minute": 33, "second": 27}
